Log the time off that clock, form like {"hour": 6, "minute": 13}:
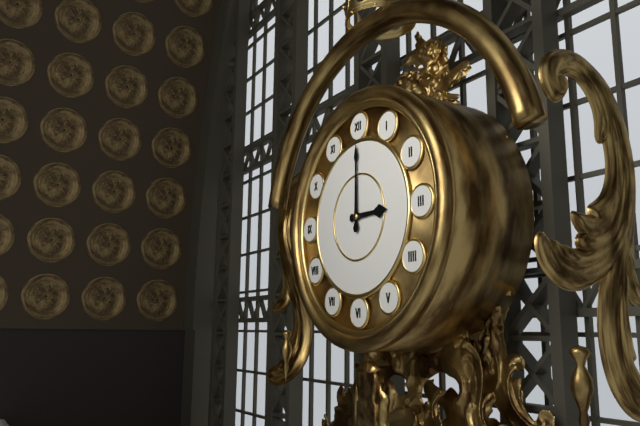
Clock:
{"hour": 3, "minute": 0}
